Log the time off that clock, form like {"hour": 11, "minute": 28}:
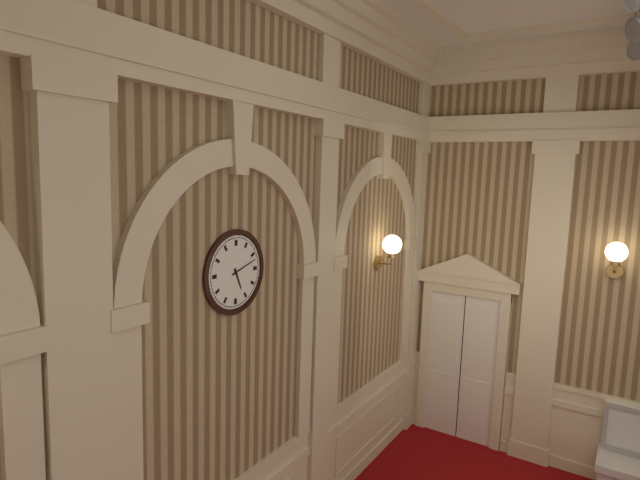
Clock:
{"hour": 5, "minute": 12}
